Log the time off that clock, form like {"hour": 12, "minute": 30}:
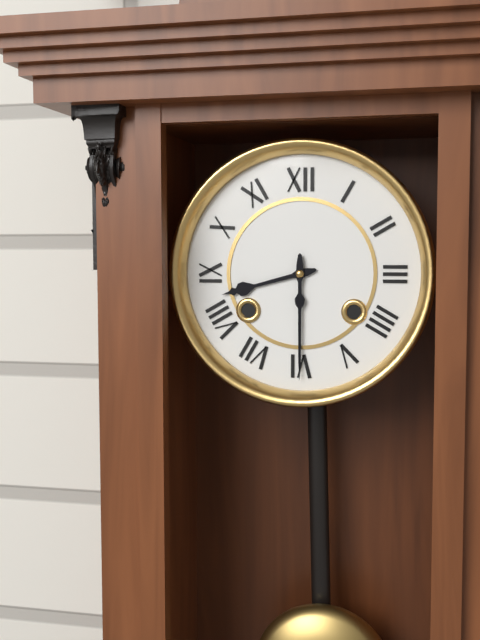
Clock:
{"hour": 8, "minute": 30}
